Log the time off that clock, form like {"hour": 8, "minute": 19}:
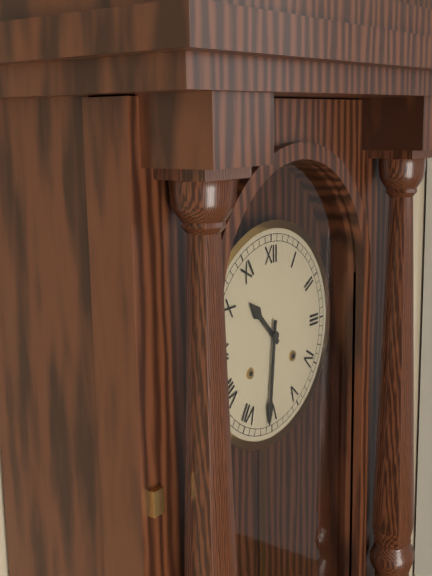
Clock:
{"hour": 10, "minute": 31}
